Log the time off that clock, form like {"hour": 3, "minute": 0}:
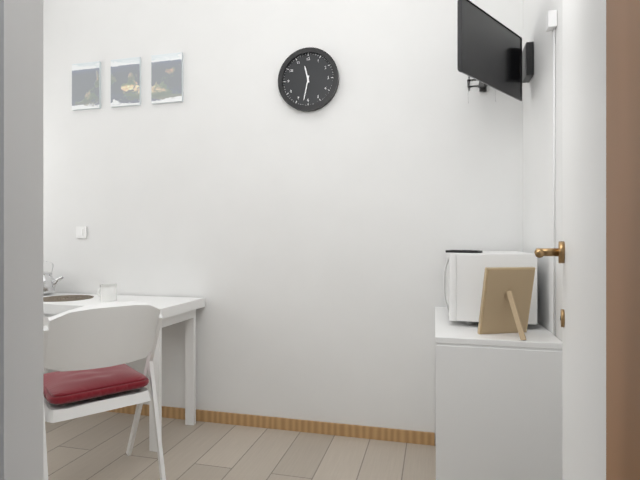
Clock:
{"hour": 11, "minute": 32}
